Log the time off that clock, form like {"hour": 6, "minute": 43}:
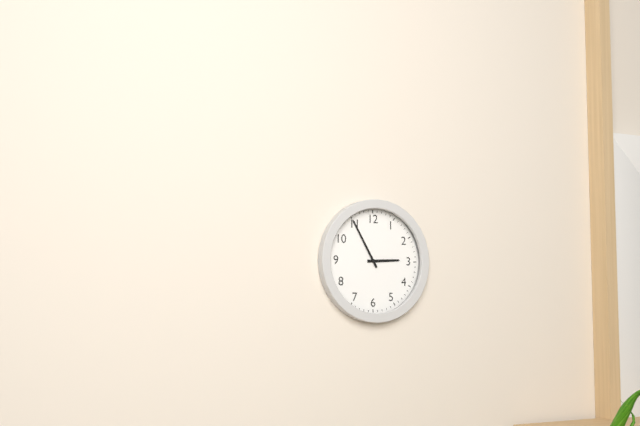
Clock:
{"hour": 2, "minute": 55}
